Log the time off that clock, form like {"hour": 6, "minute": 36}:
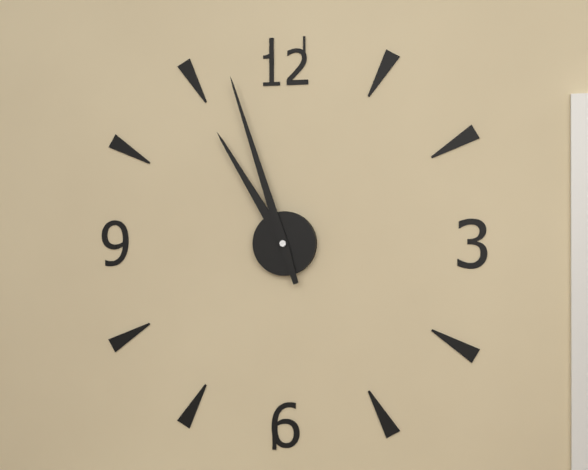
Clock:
{"hour": 10, "minute": 57}
